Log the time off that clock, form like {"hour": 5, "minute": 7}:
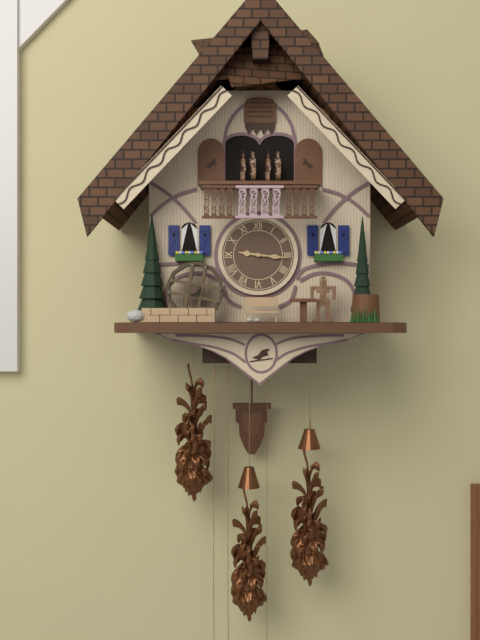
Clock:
{"hour": 9, "minute": 16}
